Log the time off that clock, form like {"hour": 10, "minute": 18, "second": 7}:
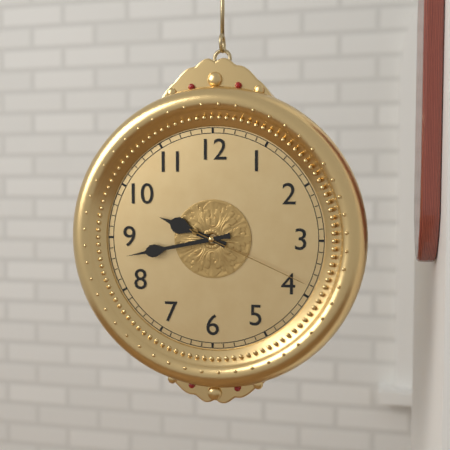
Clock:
{"hour": 9, "minute": 43, "second": 19}
